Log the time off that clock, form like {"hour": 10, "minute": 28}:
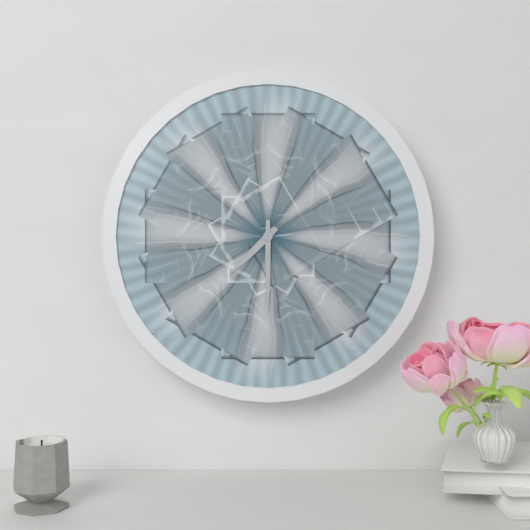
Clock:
{"hour": 7, "minute": 30}
